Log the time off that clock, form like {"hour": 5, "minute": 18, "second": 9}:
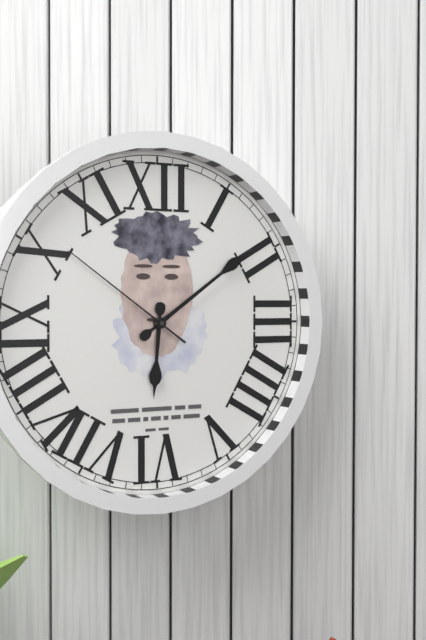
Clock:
{"hour": 6, "minute": 9, "second": 51}
